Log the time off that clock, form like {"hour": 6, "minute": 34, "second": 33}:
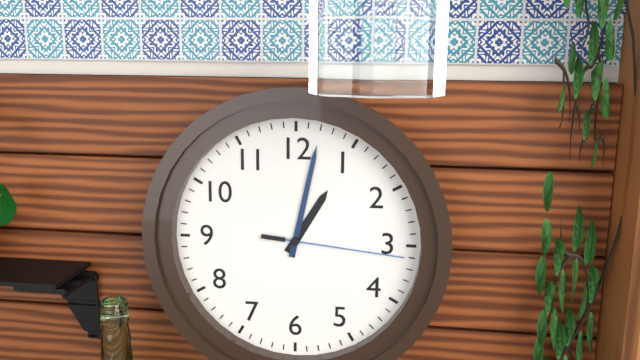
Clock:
{"hour": 1, "minute": 2, "second": 16}
